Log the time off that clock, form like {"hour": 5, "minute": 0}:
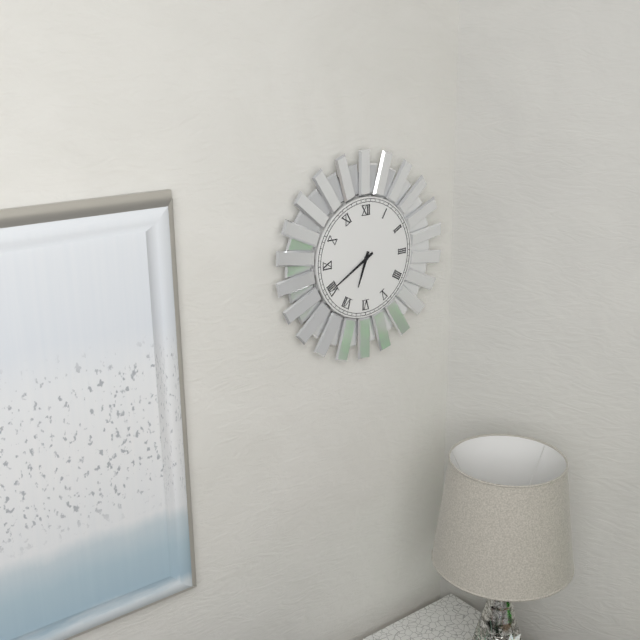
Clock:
{"hour": 6, "minute": 40}
